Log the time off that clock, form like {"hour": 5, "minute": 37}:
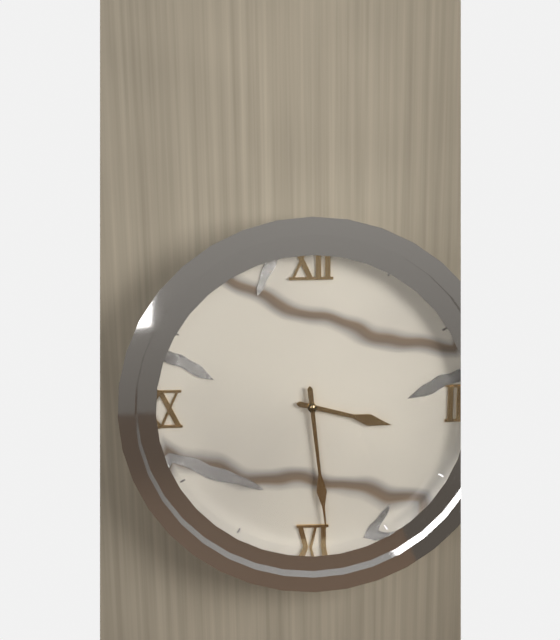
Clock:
{"hour": 3, "minute": 29}
